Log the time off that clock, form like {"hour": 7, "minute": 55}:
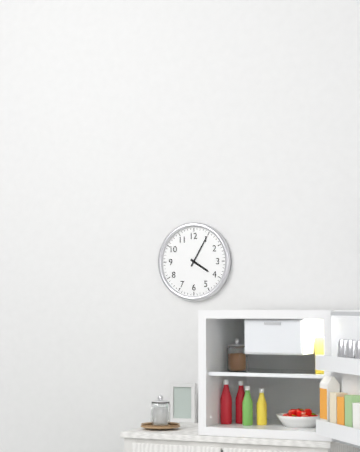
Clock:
{"hour": 4, "minute": 5}
